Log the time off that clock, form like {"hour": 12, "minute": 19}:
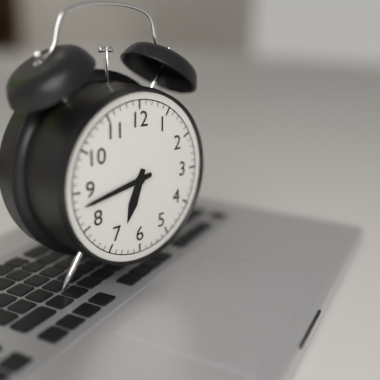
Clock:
{"hour": 6, "minute": 43}
